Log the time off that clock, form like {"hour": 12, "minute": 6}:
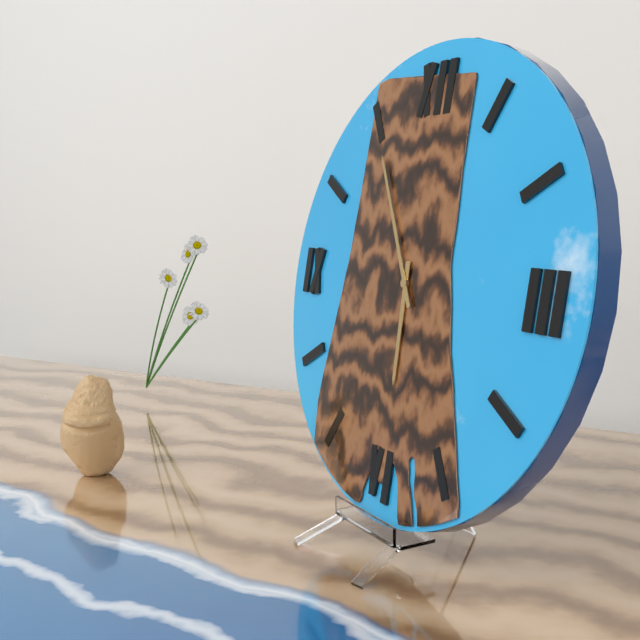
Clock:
{"hour": 5, "minute": 55}
